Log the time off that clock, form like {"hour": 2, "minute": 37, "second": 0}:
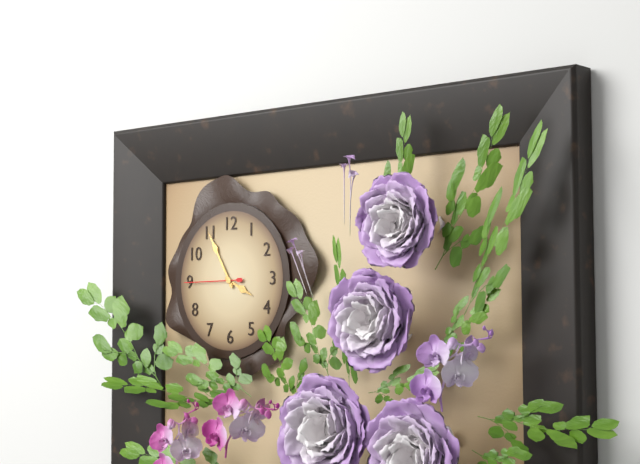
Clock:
{"hour": 3, "minute": 55, "second": 45}
